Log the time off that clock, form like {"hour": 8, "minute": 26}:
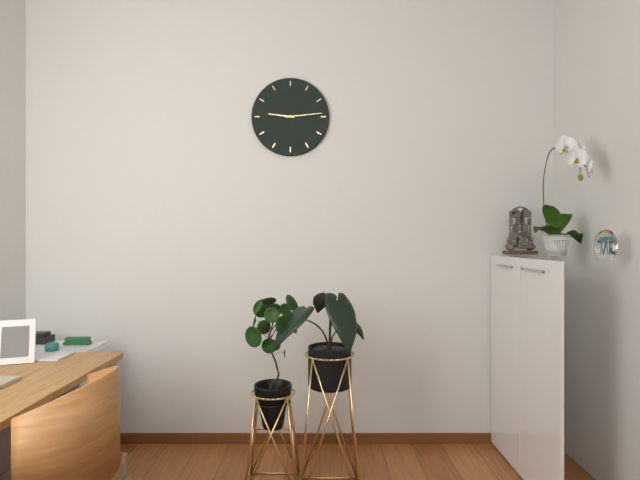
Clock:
{"hour": 9, "minute": 14}
